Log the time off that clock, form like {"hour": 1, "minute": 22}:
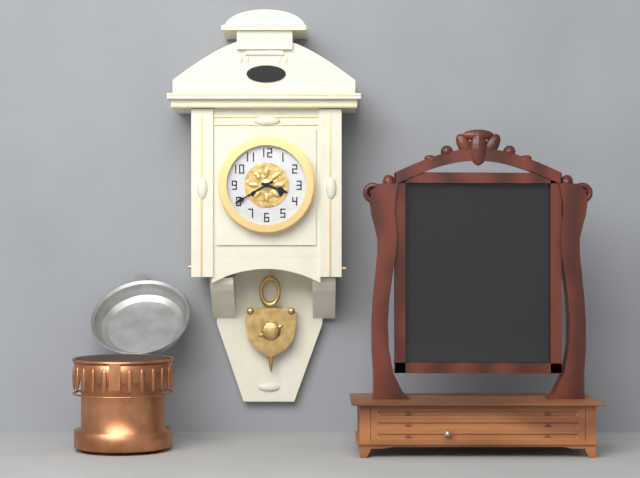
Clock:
{"hour": 3, "minute": 40}
